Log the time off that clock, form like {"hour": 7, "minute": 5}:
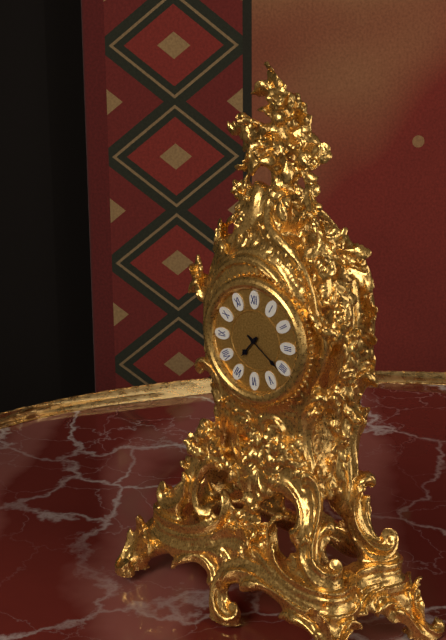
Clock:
{"hour": 7, "minute": 21}
